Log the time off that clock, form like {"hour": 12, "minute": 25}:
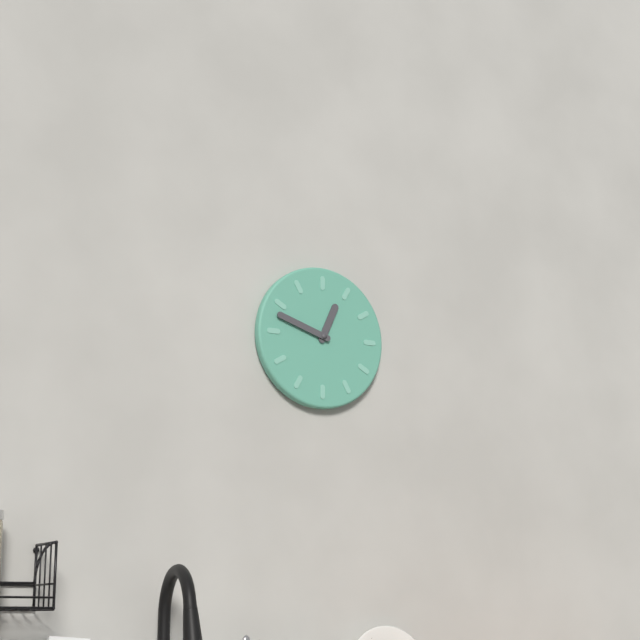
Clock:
{"hour": 12, "minute": 48}
